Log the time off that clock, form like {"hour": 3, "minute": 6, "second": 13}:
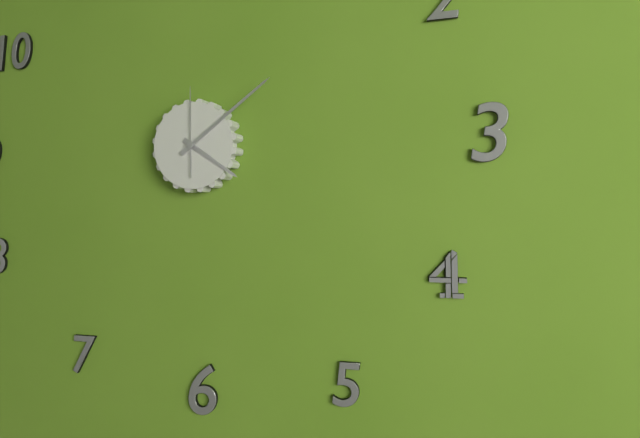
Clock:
{"hour": 4, "minute": 9, "second": 0}
